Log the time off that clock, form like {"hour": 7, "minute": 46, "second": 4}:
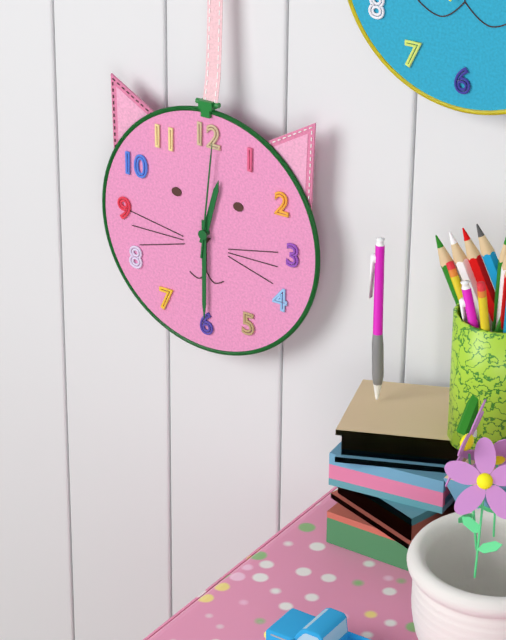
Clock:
{"hour": 12, "minute": 30, "second": 1}
